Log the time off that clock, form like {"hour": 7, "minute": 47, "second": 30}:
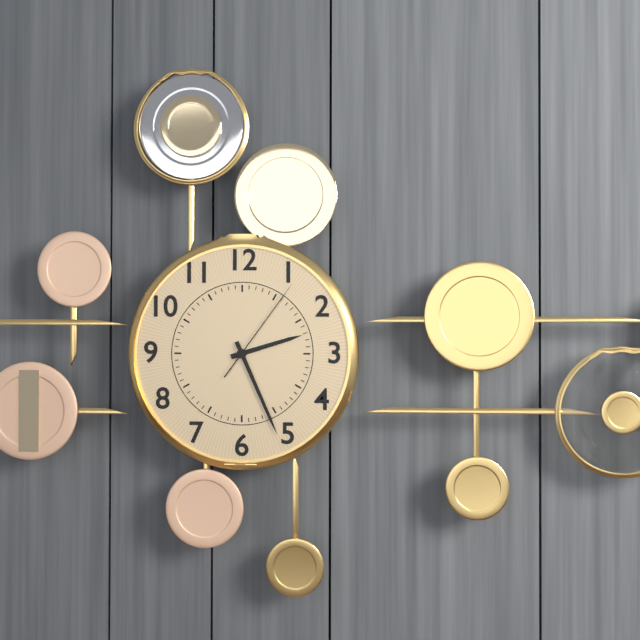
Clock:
{"hour": 2, "minute": 26, "second": 6}
